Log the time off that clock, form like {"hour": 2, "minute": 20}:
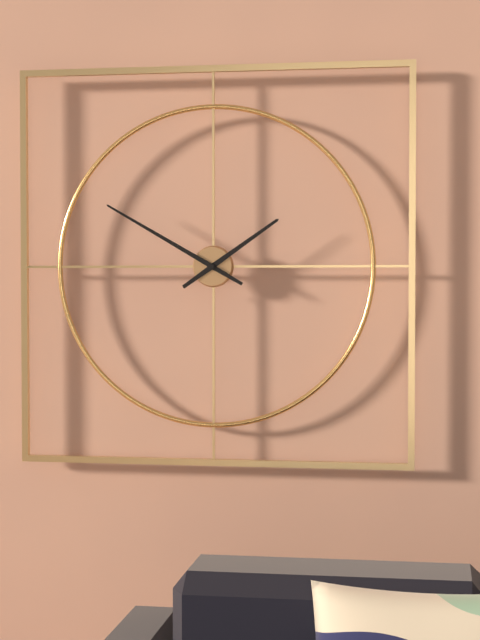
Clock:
{"hour": 1, "minute": 50}
